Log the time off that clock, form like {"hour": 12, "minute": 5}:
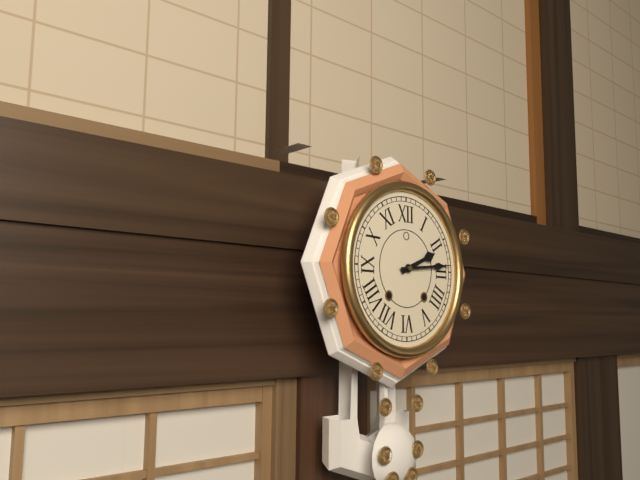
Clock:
{"hour": 2, "minute": 14}
